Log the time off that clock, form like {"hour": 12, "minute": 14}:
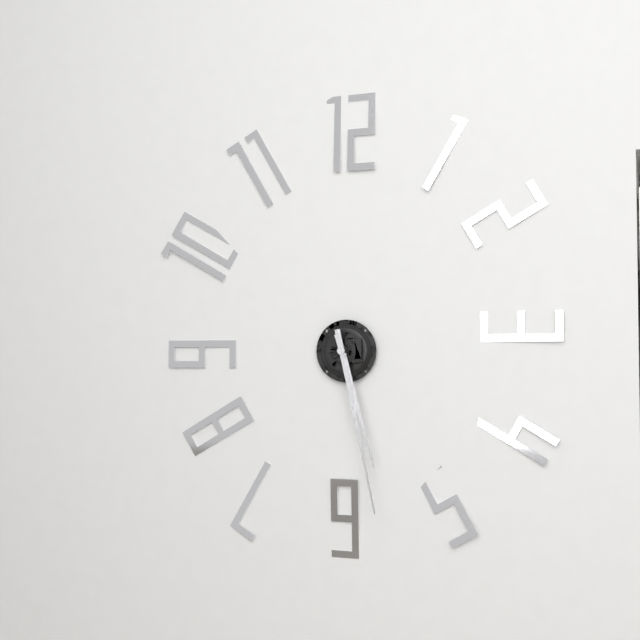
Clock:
{"hour": 5, "minute": 28}
